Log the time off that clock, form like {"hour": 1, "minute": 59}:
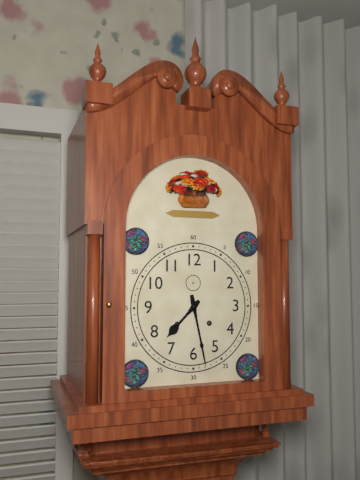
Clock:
{"hour": 7, "minute": 28}
